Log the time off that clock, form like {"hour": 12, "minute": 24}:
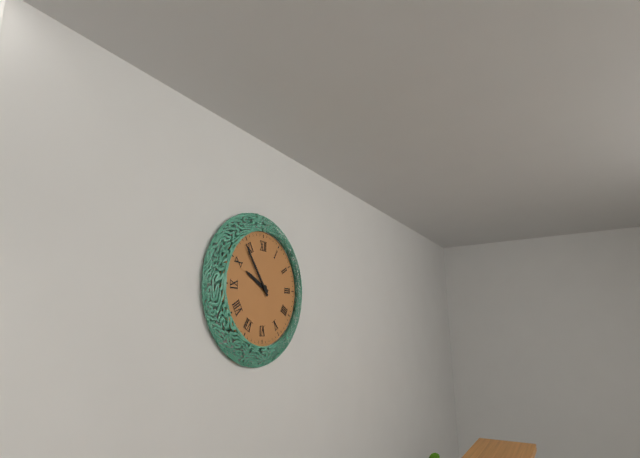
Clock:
{"hour": 9, "minute": 54}
